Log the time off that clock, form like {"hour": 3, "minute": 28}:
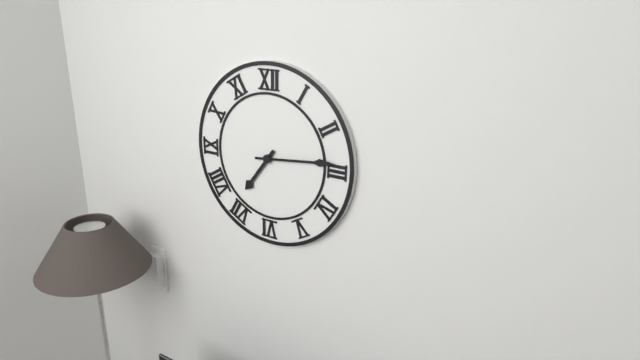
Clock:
{"hour": 7, "minute": 14}
